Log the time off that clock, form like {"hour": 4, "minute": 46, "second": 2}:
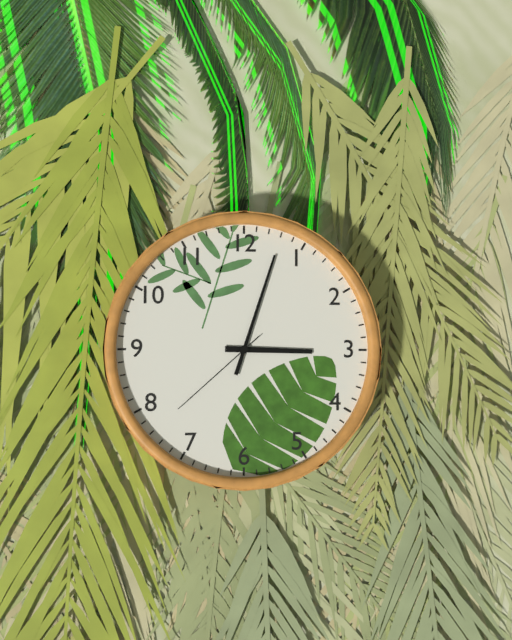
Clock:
{"hour": 3, "minute": 3, "second": 38}
